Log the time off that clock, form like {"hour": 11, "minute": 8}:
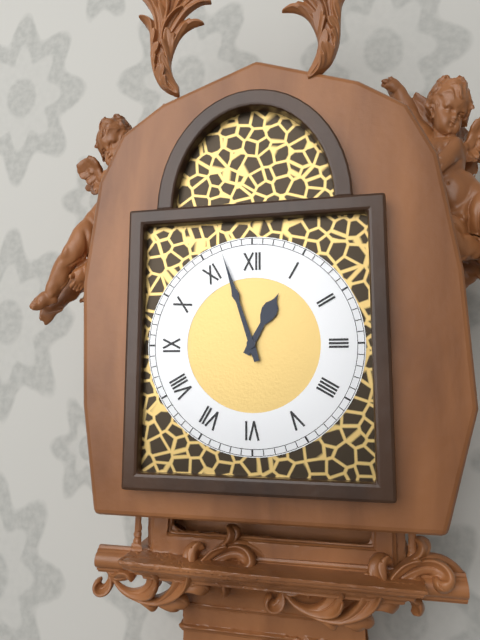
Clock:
{"hour": 12, "minute": 57}
